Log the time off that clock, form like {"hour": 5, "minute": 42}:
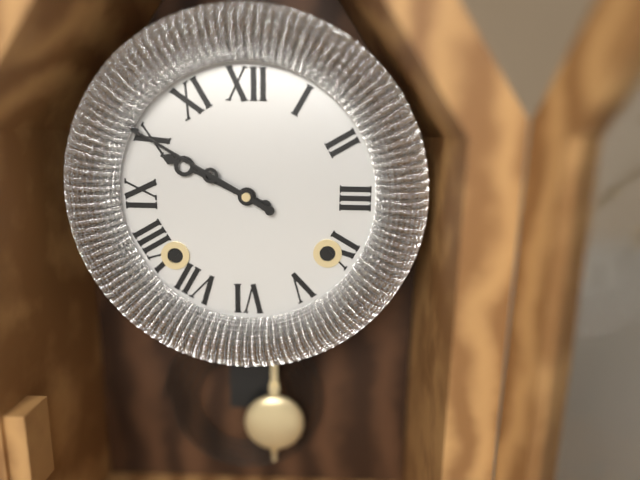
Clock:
{"hour": 9, "minute": 50}
